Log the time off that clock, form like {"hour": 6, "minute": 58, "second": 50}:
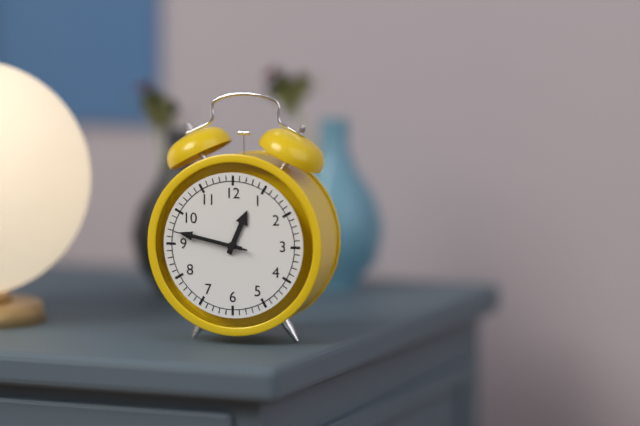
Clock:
{"hour": 12, "minute": 47, "second": 47}
